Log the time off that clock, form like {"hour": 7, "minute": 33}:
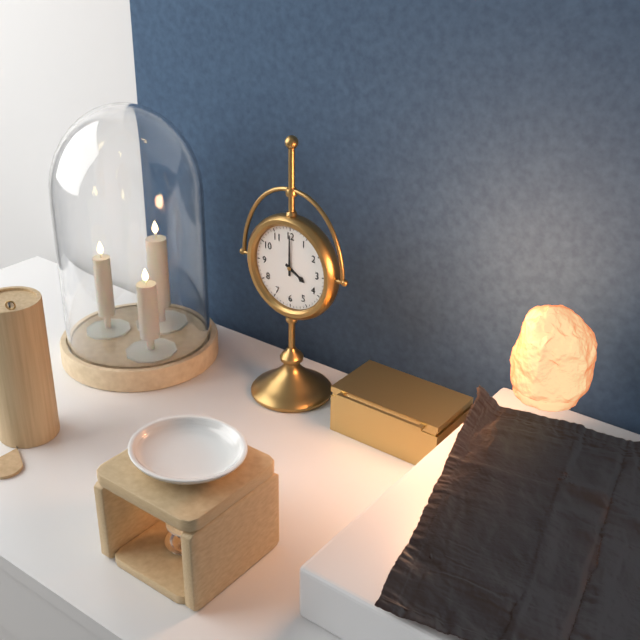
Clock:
{"hour": 4, "minute": 0}
